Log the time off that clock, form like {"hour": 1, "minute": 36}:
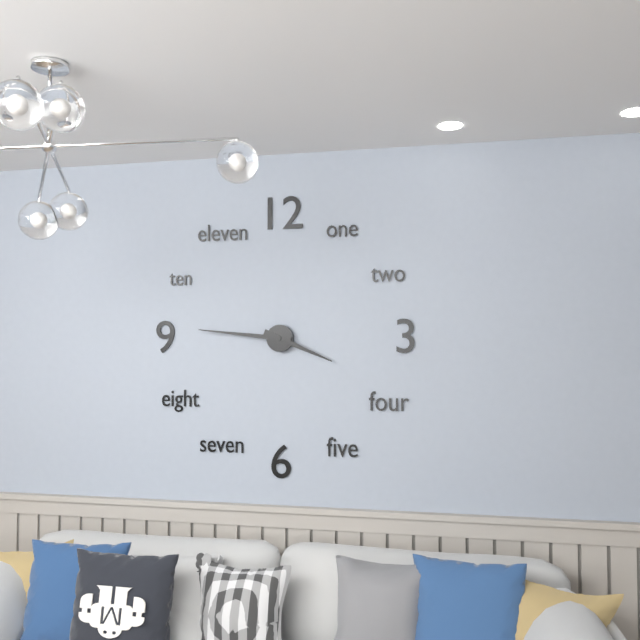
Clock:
{"hour": 3, "minute": 46}
